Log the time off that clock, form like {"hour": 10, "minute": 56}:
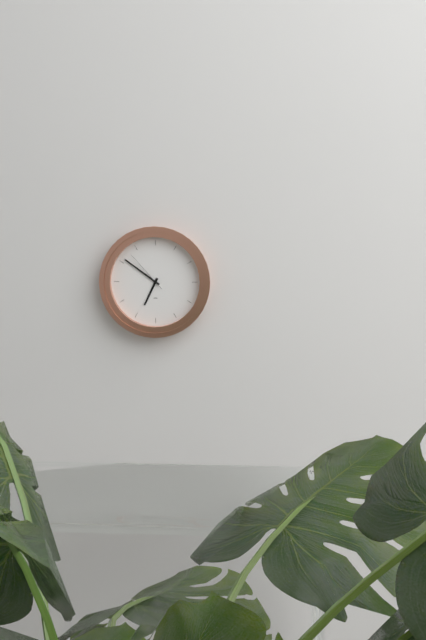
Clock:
{"hour": 6, "minute": 51}
